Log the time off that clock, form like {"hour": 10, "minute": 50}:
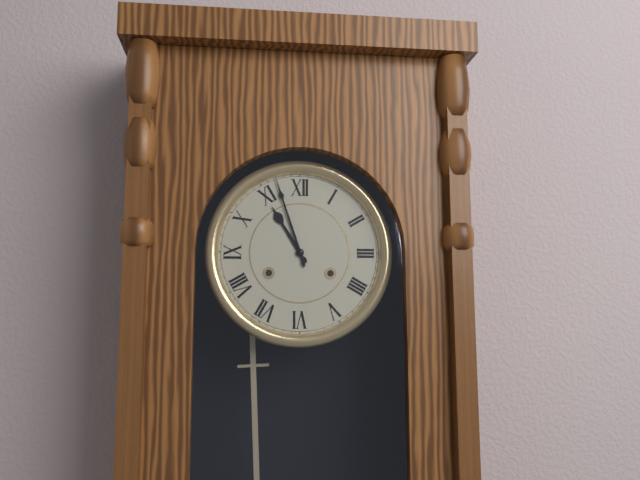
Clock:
{"hour": 10, "minute": 57}
